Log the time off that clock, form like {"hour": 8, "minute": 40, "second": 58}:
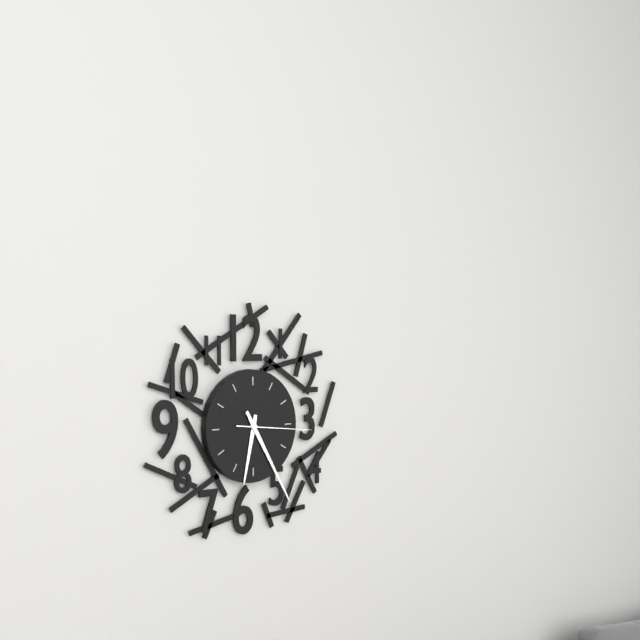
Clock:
{"hour": 6, "minute": 25, "second": 16}
